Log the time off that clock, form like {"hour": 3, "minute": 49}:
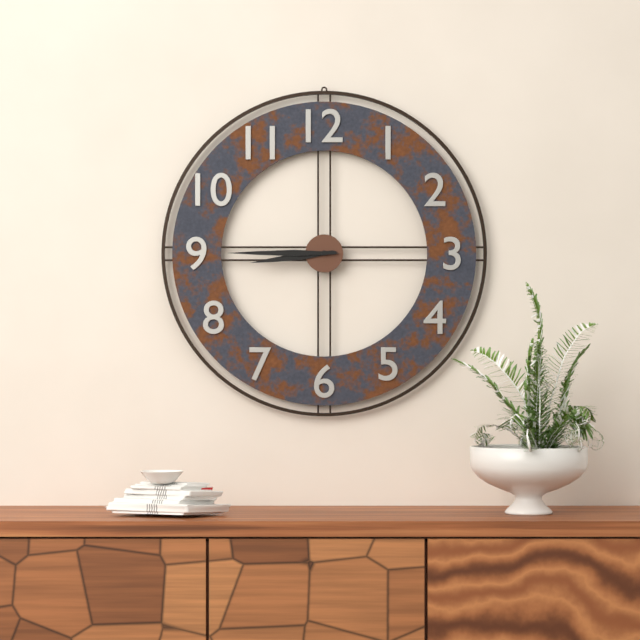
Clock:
{"hour": 8, "minute": 45}
